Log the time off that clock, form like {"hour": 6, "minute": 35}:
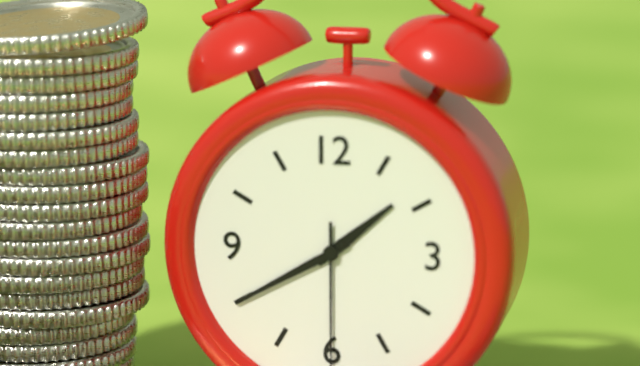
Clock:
{"hour": 1, "minute": 40}
